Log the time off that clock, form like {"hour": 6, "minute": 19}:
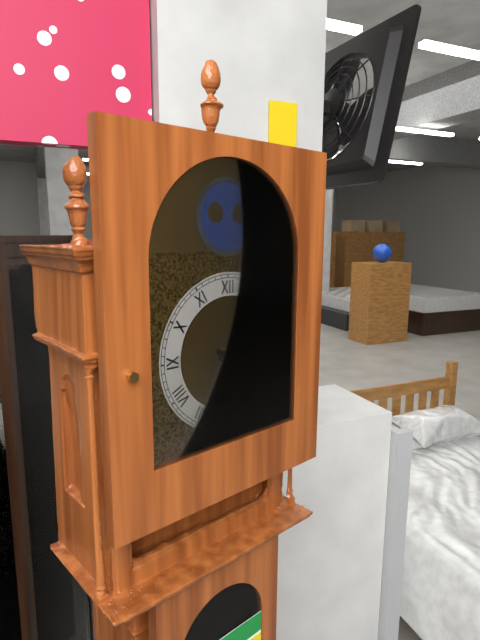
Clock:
{"hour": 2, "minute": 17}
